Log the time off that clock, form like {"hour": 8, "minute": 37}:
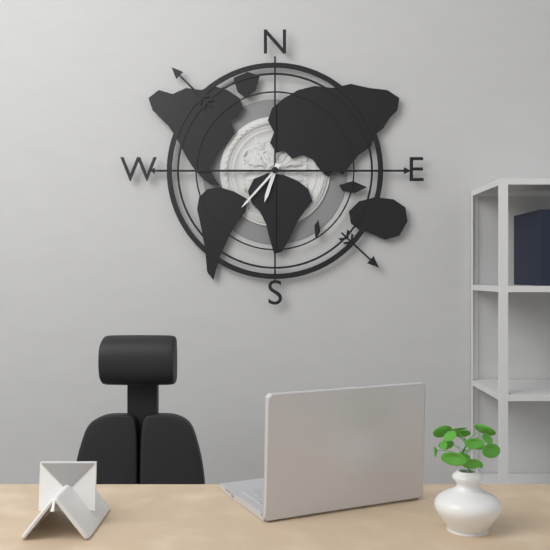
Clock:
{"hour": 6, "minute": 37}
